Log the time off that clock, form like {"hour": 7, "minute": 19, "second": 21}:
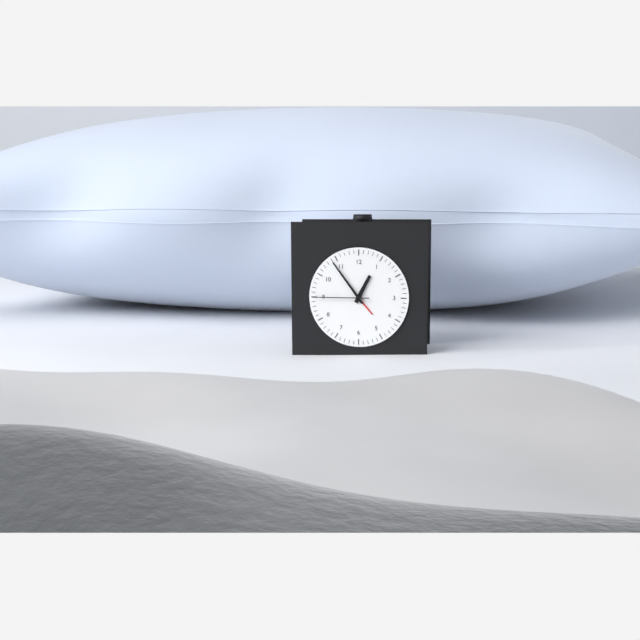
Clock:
{"hour": 12, "minute": 54, "second": 45}
